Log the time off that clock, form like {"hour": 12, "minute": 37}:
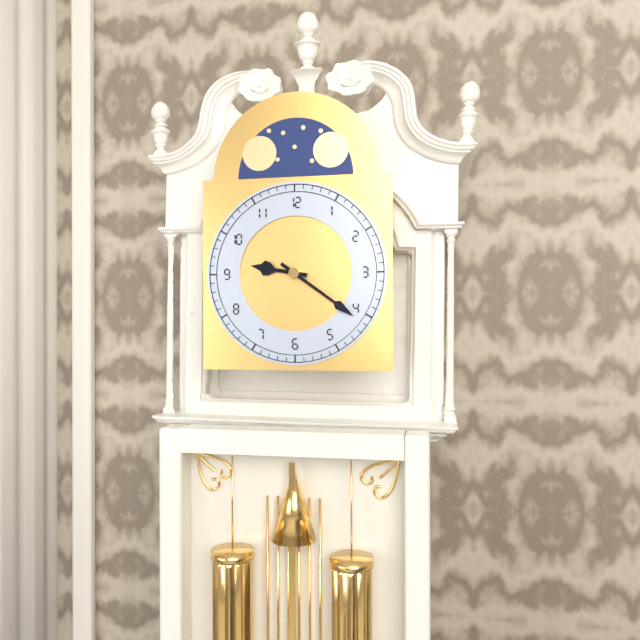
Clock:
{"hour": 9, "minute": 21}
